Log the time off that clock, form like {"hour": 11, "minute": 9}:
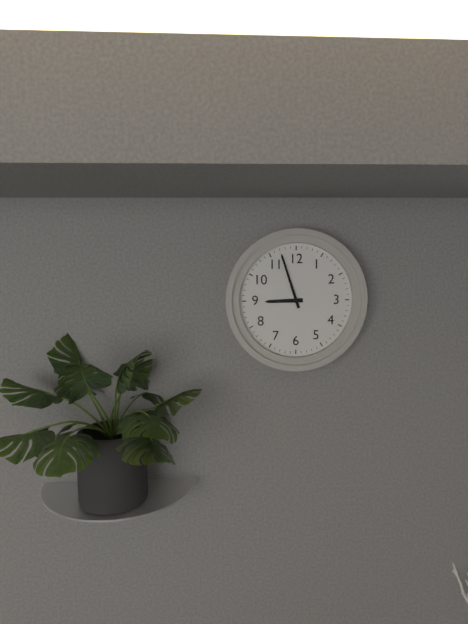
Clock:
{"hour": 8, "minute": 57}
